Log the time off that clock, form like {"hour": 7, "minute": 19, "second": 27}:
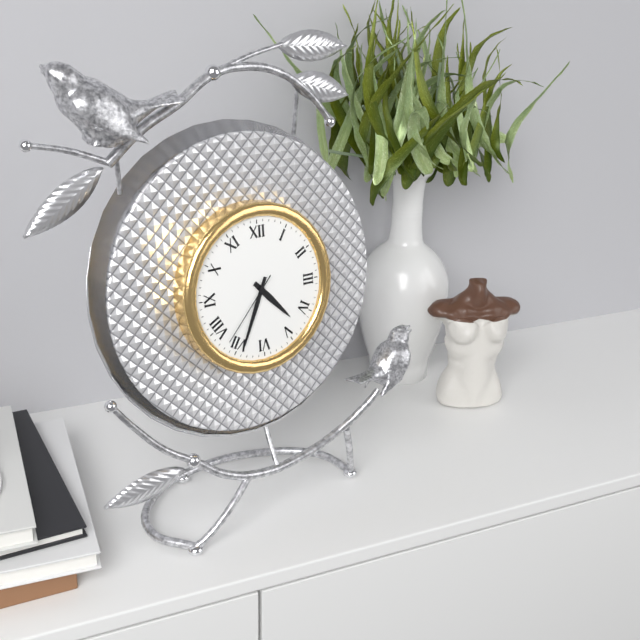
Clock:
{"hour": 4, "minute": 34, "second": 37}
